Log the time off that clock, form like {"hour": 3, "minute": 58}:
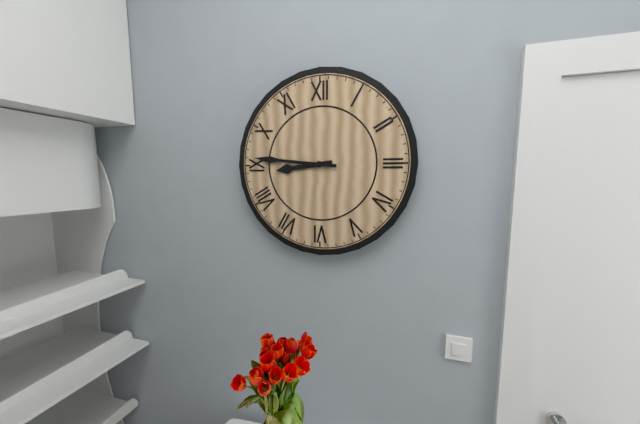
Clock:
{"hour": 8, "minute": 46}
